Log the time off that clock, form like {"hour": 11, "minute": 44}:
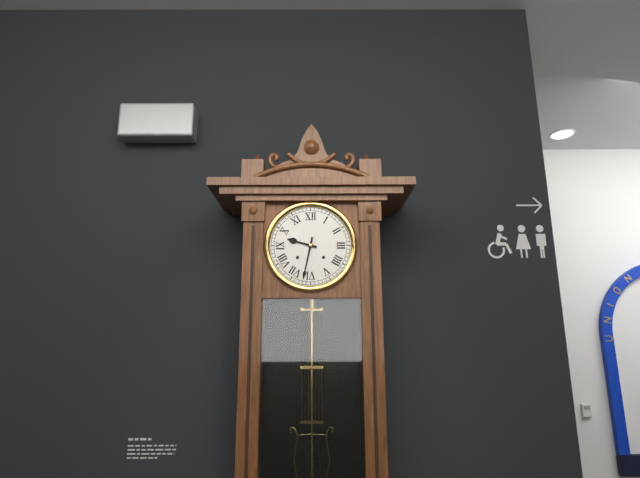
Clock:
{"hour": 9, "minute": 32}
